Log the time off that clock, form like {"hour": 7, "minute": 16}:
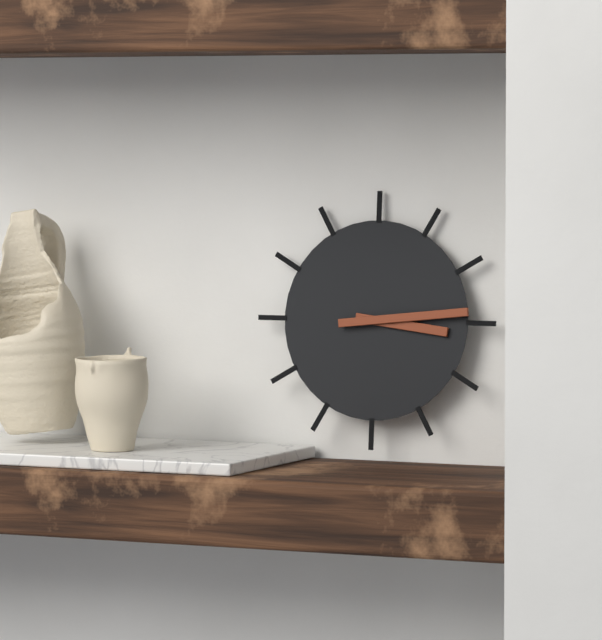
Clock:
{"hour": 3, "minute": 14}
